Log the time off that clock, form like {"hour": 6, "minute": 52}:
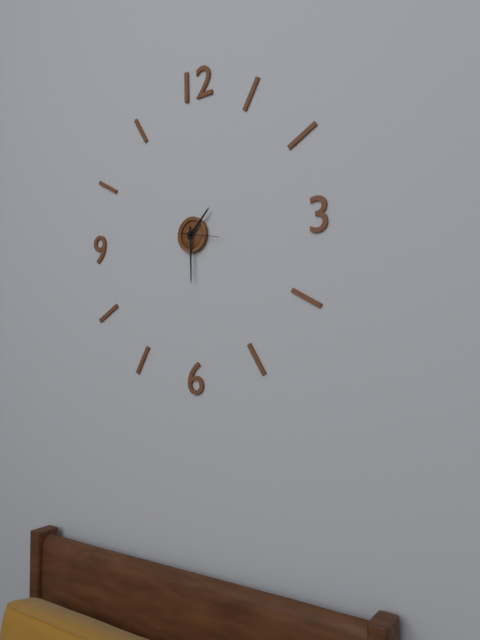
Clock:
{"hour": 1, "minute": 30}
